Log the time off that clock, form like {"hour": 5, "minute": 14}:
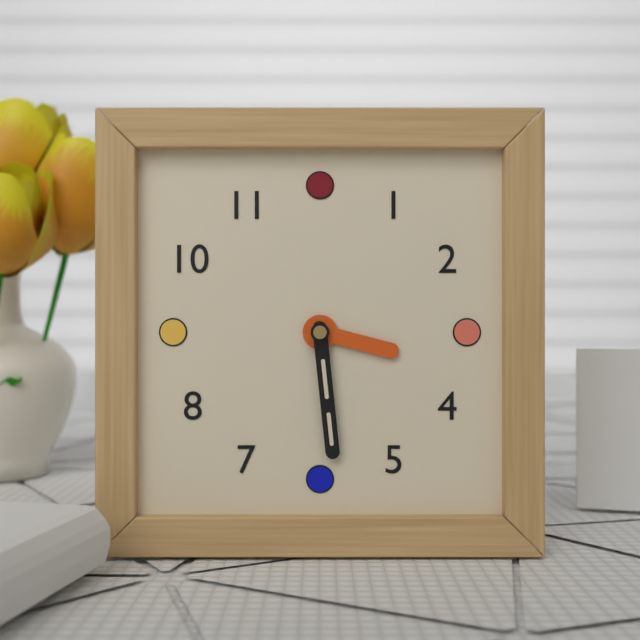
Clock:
{"hour": 3, "minute": 29}
